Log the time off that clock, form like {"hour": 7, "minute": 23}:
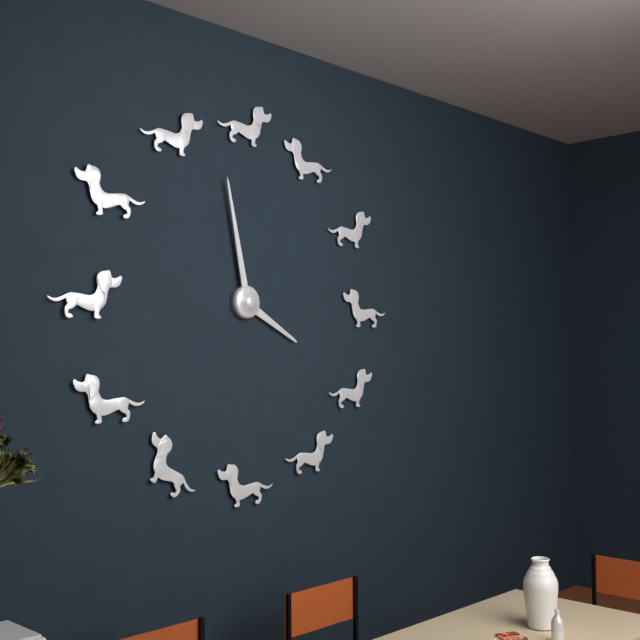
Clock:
{"hour": 3, "minute": 58}
